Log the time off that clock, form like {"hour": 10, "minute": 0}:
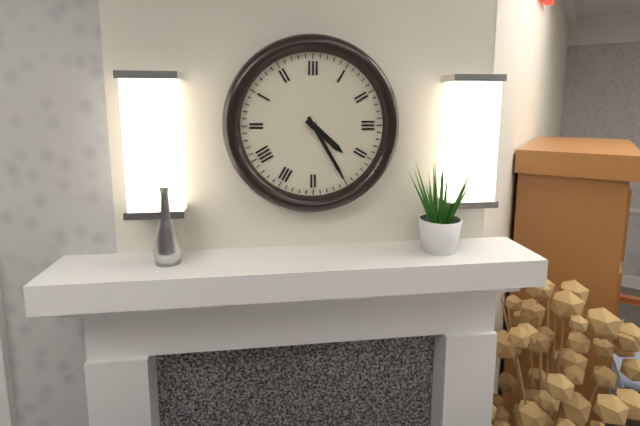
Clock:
{"hour": 4, "minute": 25}
